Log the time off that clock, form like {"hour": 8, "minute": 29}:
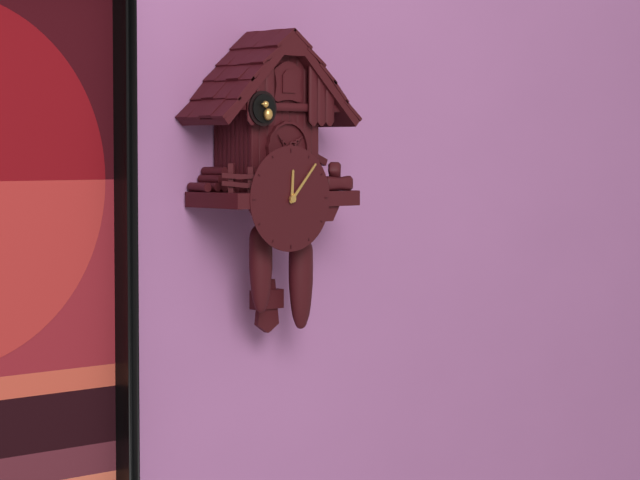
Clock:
{"hour": 12, "minute": 7}
